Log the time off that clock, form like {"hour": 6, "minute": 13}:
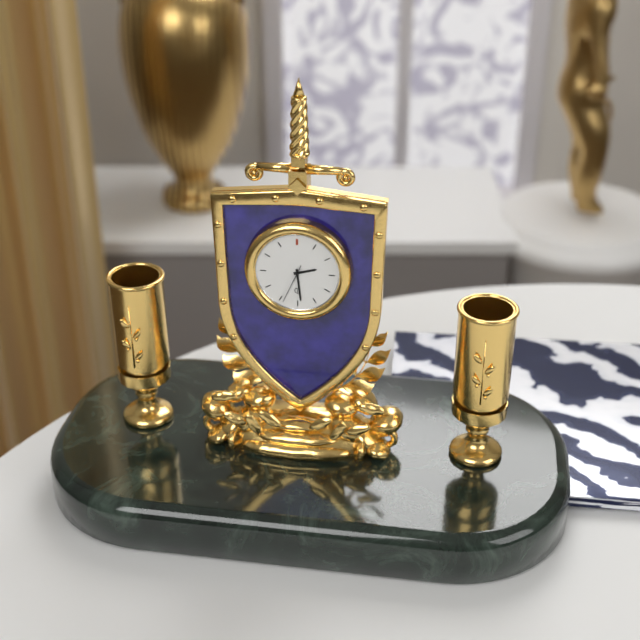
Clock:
{"hour": 2, "minute": 29}
